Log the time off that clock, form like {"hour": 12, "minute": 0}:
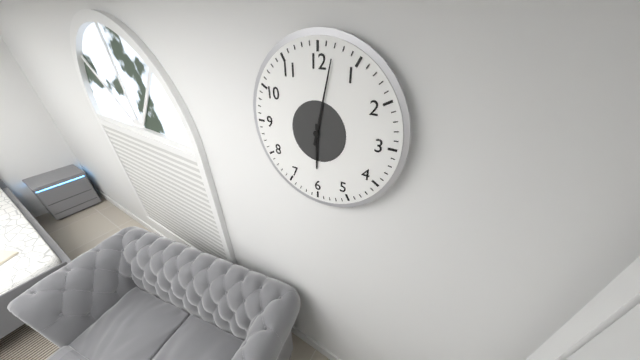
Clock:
{"hour": 6, "minute": 2}
